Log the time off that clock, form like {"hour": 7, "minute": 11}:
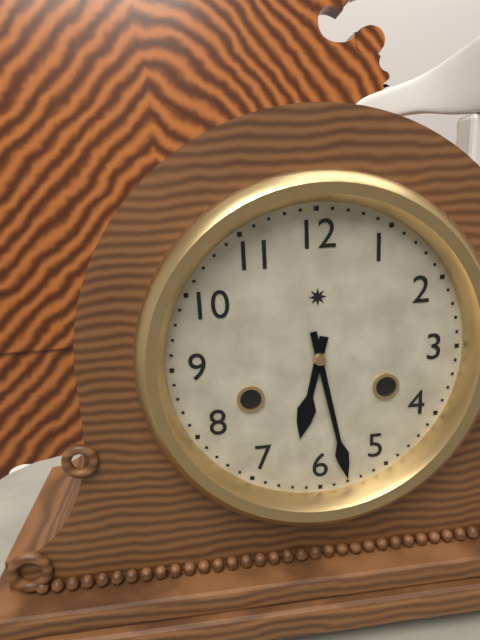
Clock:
{"hour": 6, "minute": 28}
